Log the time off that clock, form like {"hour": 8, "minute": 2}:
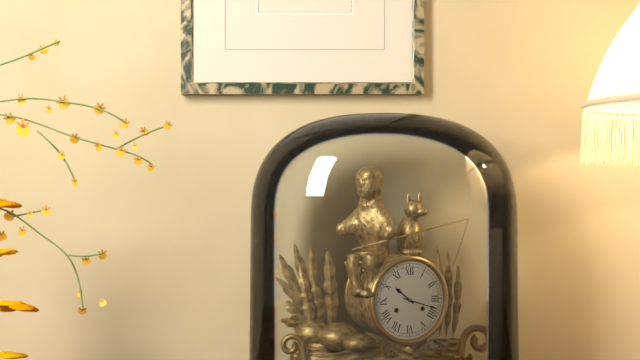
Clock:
{"hour": 10, "minute": 18}
